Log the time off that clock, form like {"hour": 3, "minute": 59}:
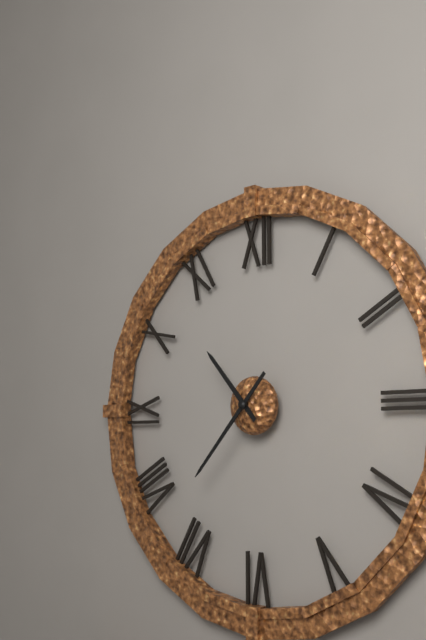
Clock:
{"hour": 10, "minute": 37}
